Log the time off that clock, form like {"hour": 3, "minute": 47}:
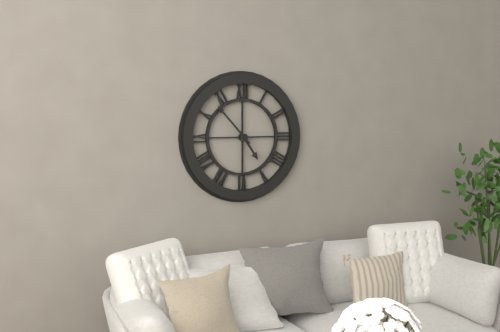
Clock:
{"hour": 4, "minute": 53}
